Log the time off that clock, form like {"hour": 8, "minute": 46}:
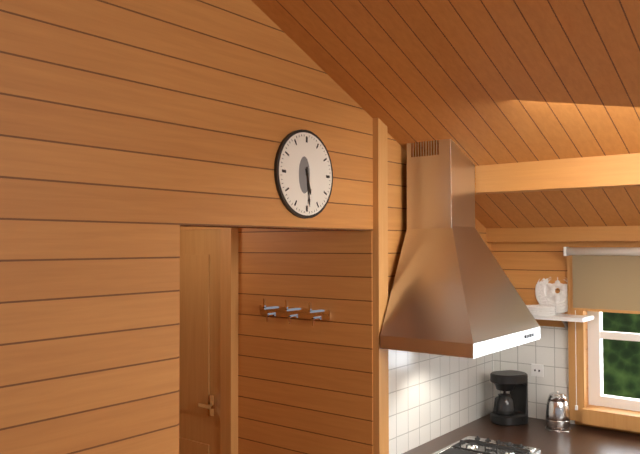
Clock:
{"hour": 5, "minute": 29}
